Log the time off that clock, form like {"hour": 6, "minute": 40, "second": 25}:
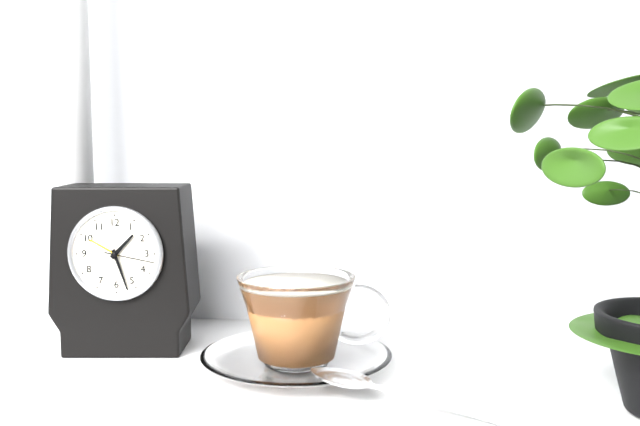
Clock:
{"hour": 1, "minute": 27, "second": 17}
